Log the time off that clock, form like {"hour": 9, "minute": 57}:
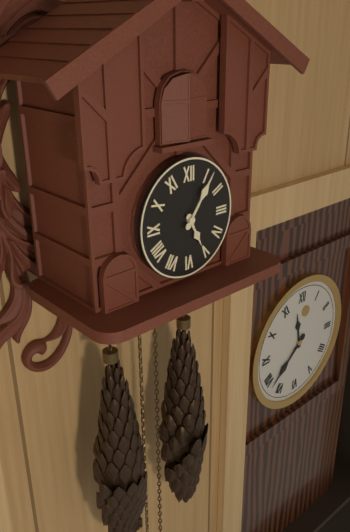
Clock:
{"hour": 5, "minute": 6}
